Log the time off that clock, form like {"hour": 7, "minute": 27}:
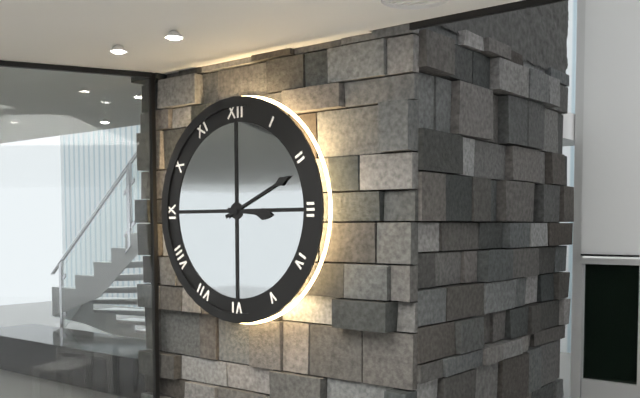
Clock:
{"hour": 3, "minute": 11}
